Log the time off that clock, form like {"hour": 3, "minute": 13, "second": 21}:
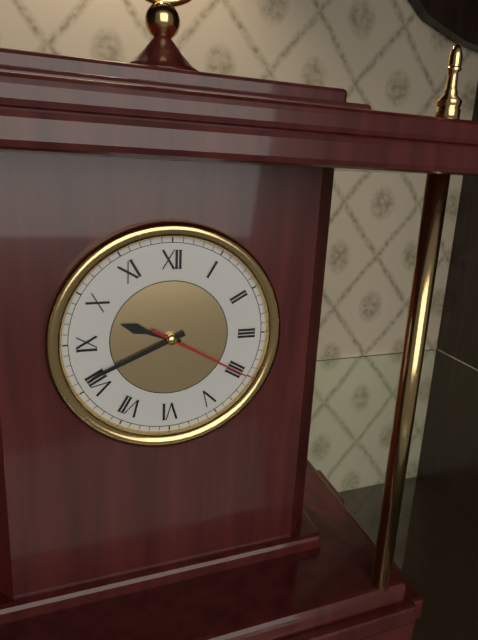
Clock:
{"hour": 9, "minute": 41, "second": 20}
